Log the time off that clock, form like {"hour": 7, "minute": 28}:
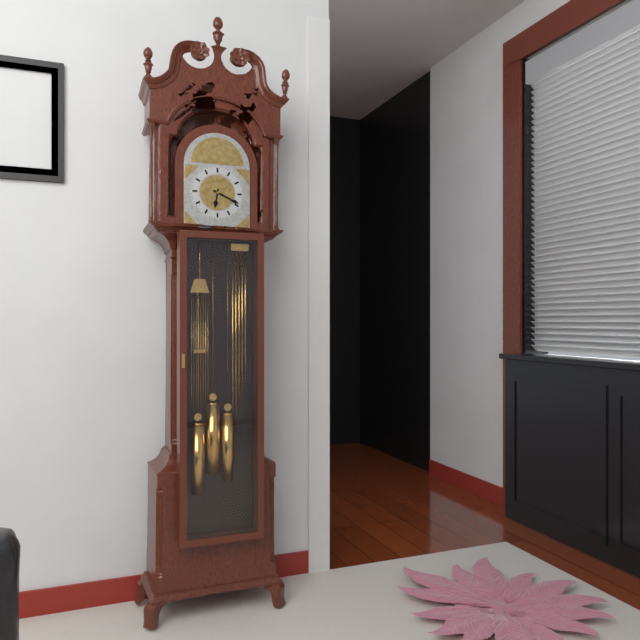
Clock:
{"hour": 6, "minute": 19}
